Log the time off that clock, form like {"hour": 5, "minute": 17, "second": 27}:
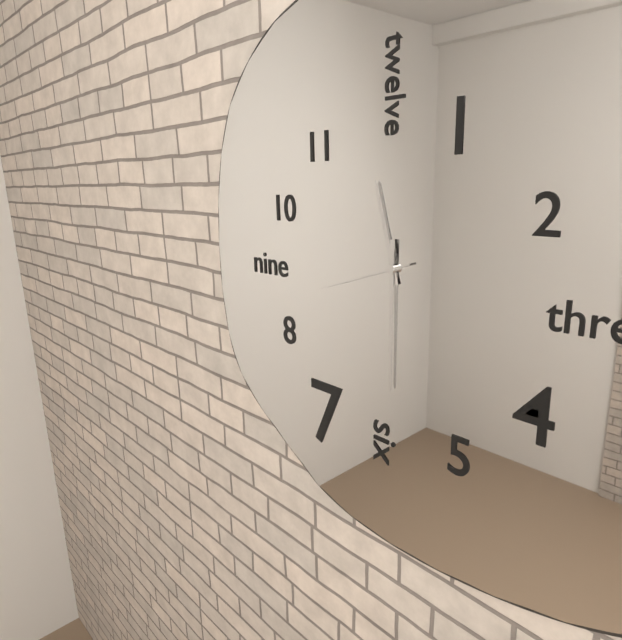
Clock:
{"hour": 11, "minute": 30, "second": 42}
